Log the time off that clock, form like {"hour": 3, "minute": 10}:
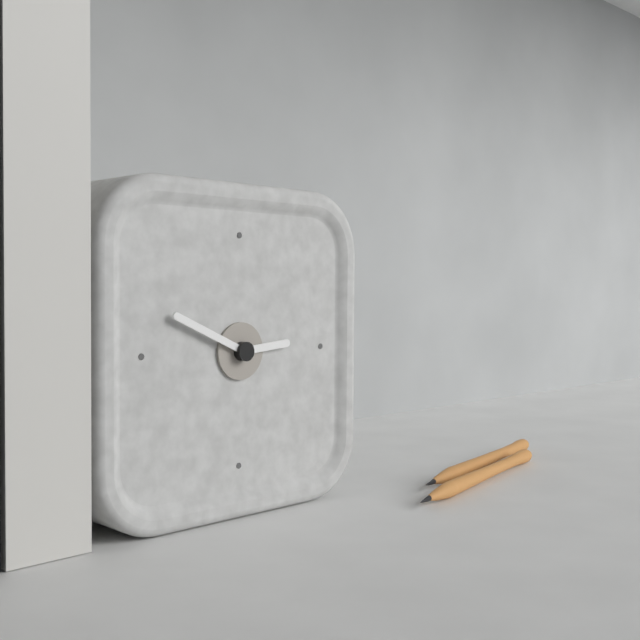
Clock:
{"hour": 2, "minute": 49}
